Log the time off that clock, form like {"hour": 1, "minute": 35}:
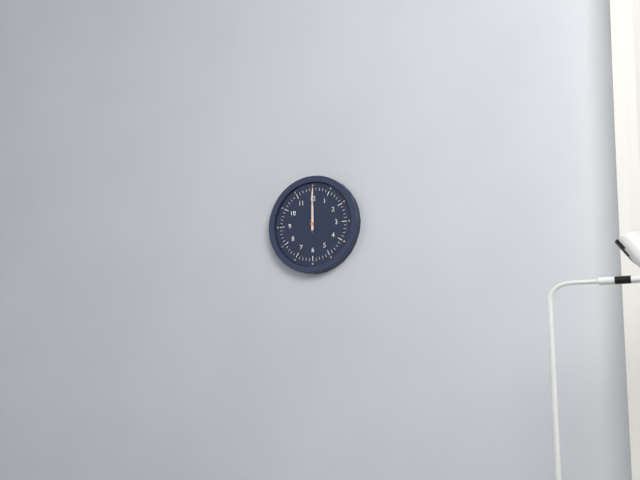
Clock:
{"hour": 12, "minute": 0}
